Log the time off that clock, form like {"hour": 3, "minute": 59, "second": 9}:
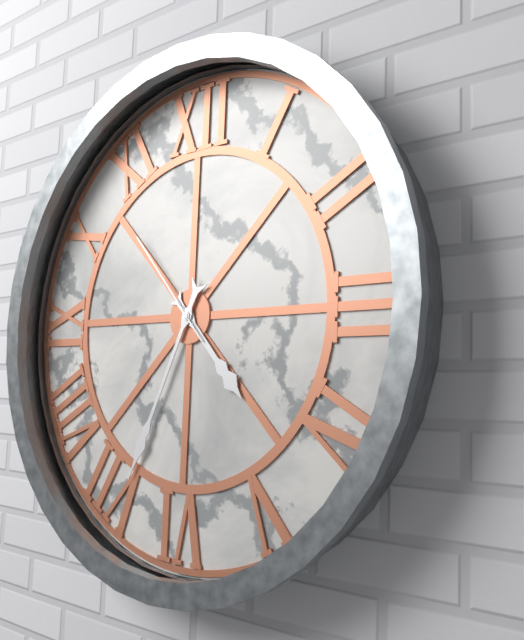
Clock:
{"hour": 4, "minute": 34, "second": 53}
